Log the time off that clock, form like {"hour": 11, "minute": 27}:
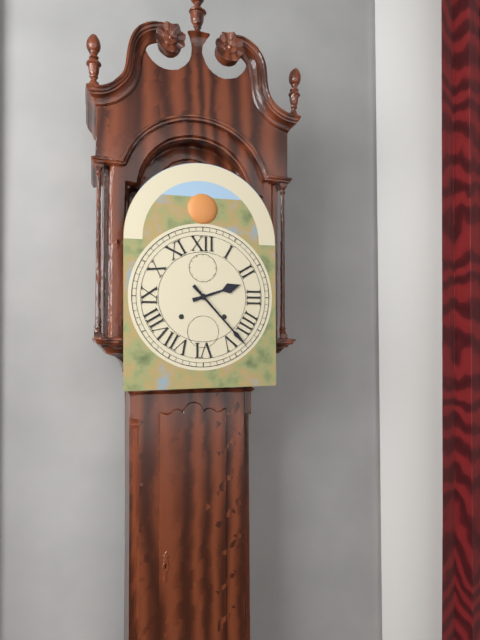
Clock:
{"hour": 2, "minute": 23}
